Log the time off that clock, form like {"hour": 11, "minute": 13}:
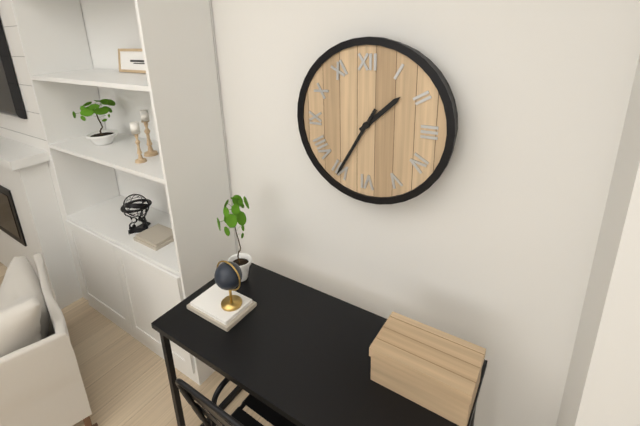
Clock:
{"hour": 1, "minute": 35}
